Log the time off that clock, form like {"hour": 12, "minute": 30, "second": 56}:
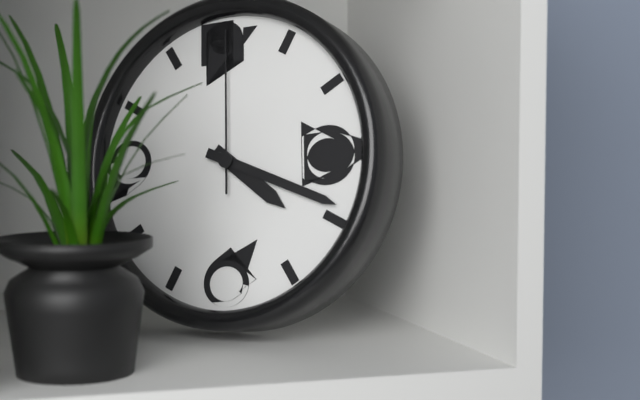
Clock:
{"hour": 4, "minute": 19, "second": 0}
